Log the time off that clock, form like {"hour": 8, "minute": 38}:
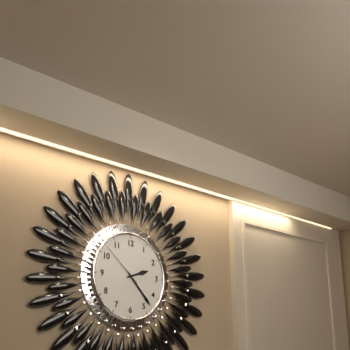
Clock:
{"hour": 2, "minute": 23}
